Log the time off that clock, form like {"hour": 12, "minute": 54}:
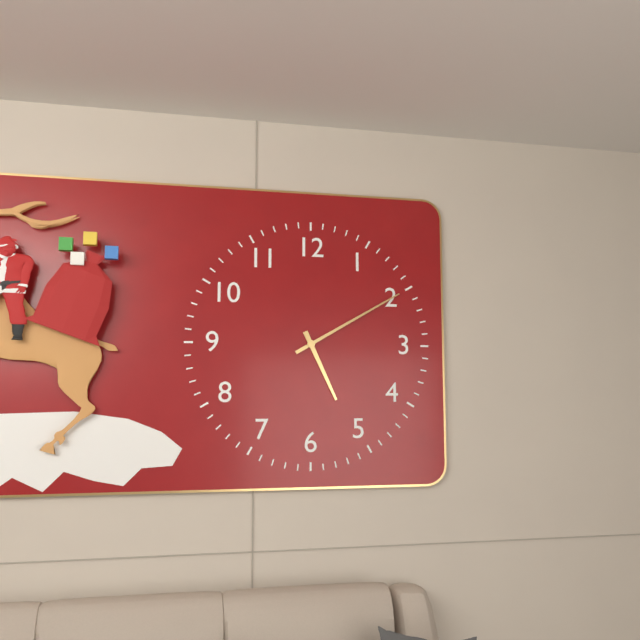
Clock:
{"hour": 5, "minute": 10}
